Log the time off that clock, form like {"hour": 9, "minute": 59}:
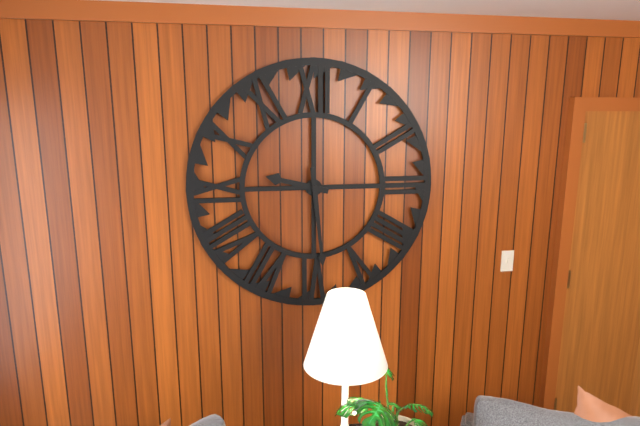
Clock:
{"hour": 9, "minute": 29}
